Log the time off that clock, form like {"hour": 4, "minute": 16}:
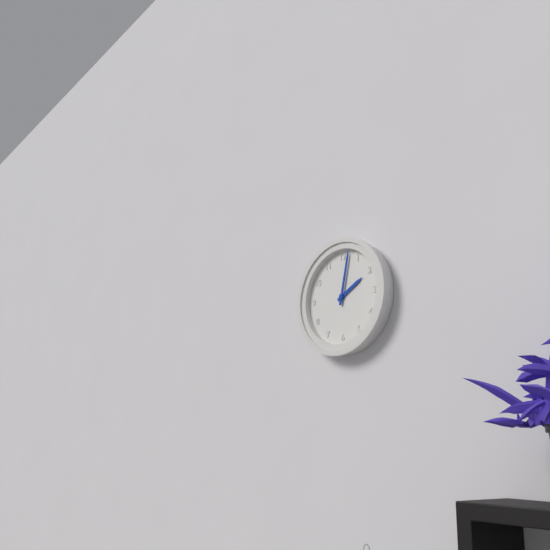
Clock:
{"hour": 2, "minute": 2}
